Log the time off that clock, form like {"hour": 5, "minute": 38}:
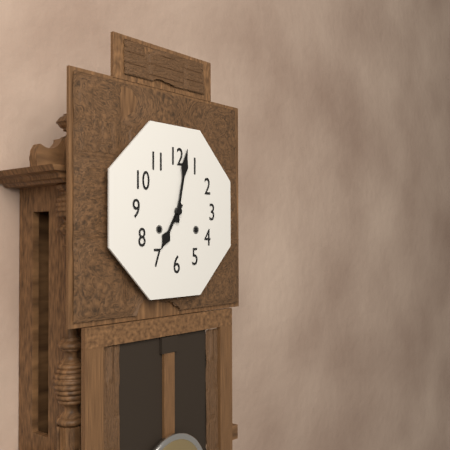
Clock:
{"hour": 7, "minute": 2}
